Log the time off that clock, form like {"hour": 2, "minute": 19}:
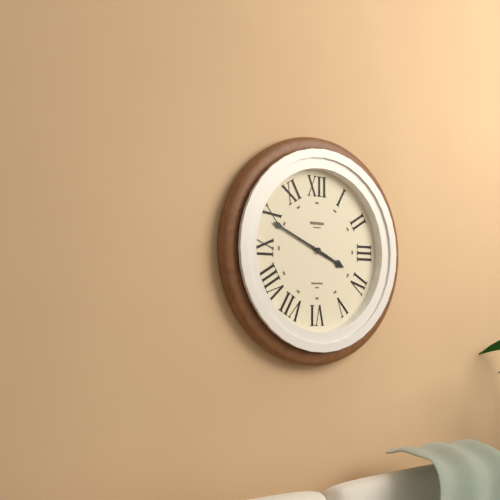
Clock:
{"hour": 3, "minute": 49}
